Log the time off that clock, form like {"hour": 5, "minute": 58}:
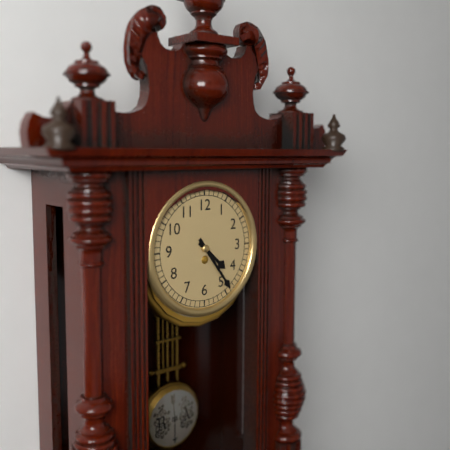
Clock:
{"hour": 4, "minute": 24}
